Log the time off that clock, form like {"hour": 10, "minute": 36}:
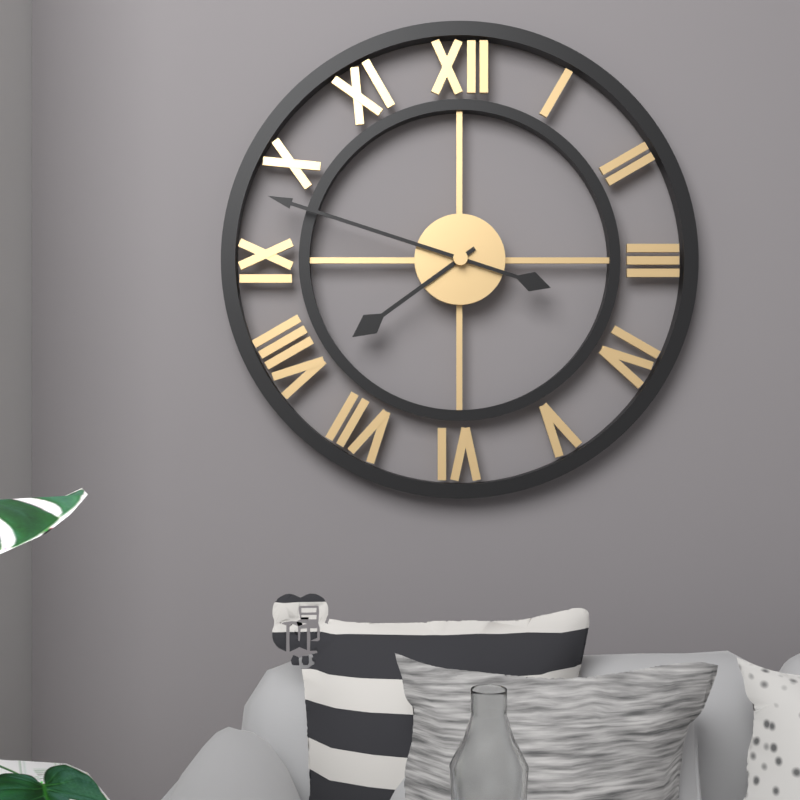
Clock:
{"hour": 7, "minute": 48}
